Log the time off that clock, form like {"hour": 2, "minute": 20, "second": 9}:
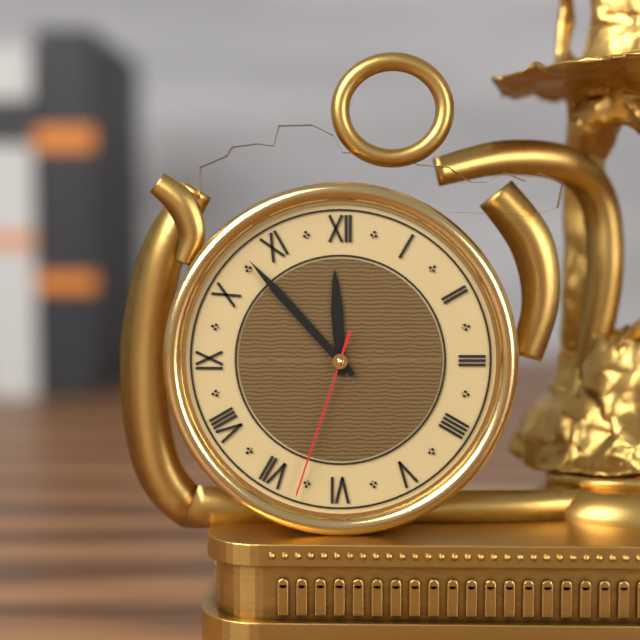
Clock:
{"hour": 11, "minute": 53, "second": 33}
